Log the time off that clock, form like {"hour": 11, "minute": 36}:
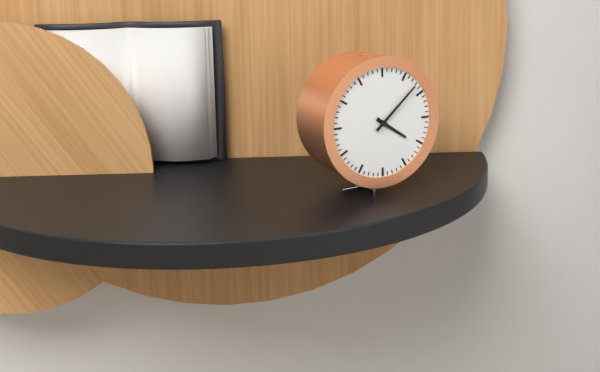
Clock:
{"hour": 4, "minute": 8}
